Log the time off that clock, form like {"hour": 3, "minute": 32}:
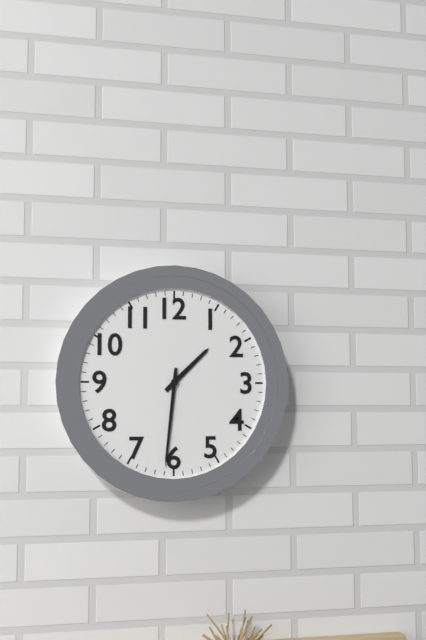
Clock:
{"hour": 1, "minute": 31}
